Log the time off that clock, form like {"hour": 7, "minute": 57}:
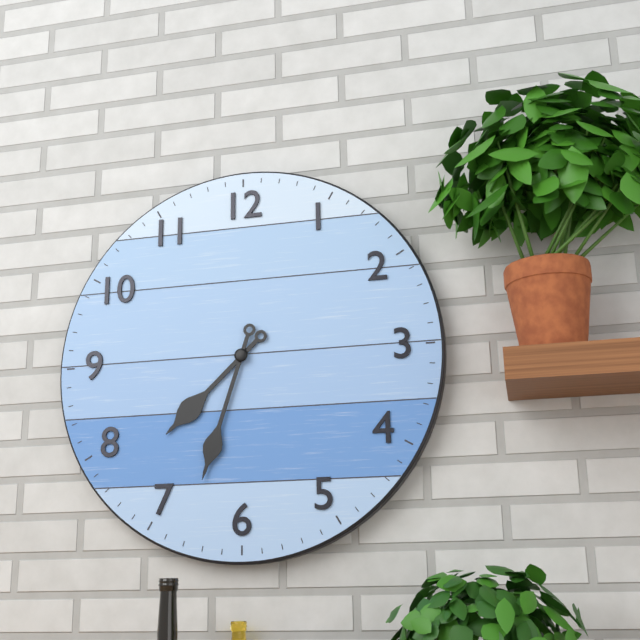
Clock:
{"hour": 7, "minute": 33}
